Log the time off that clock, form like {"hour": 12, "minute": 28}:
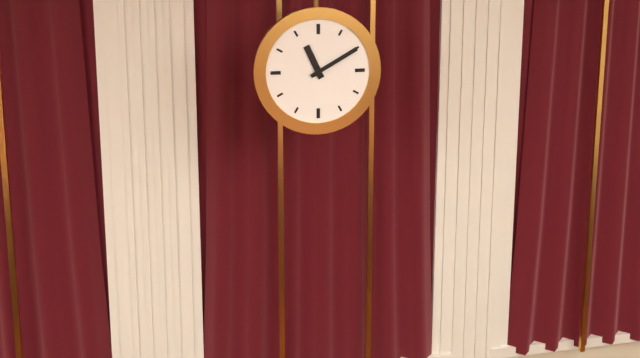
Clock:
{"hour": 11, "minute": 10}
